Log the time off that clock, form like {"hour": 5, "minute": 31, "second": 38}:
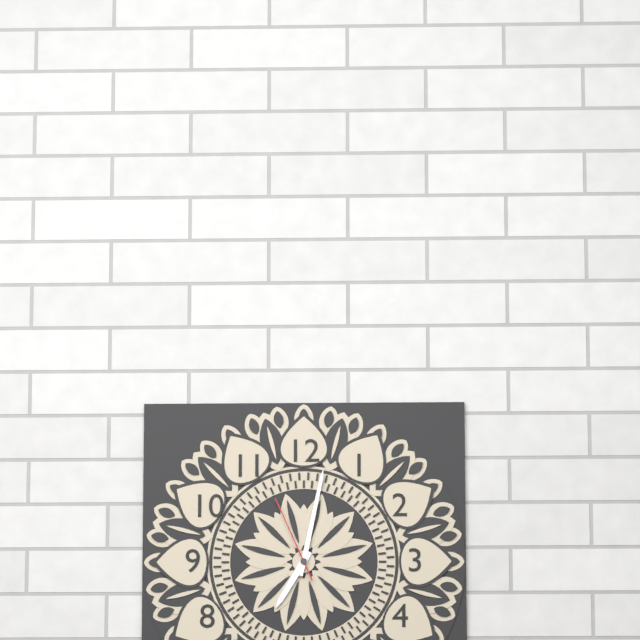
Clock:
{"hour": 7, "minute": 2, "second": 56}
